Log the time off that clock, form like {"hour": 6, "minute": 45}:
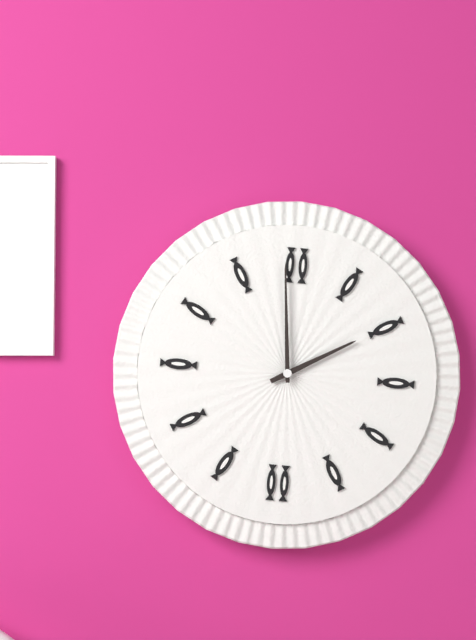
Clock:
{"hour": 1, "minute": 59}
